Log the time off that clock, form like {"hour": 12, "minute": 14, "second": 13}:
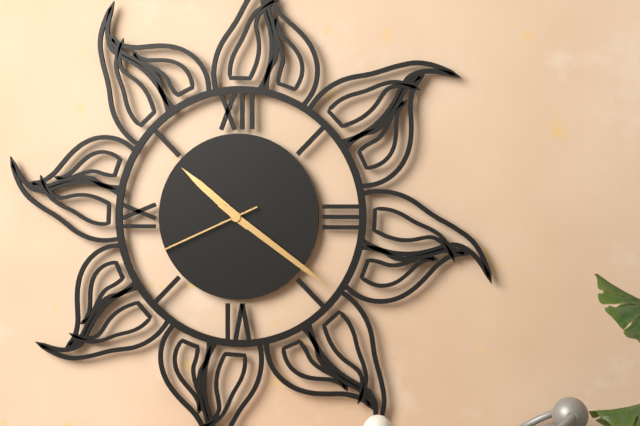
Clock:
{"hour": 10, "minute": 21, "second": 41}
